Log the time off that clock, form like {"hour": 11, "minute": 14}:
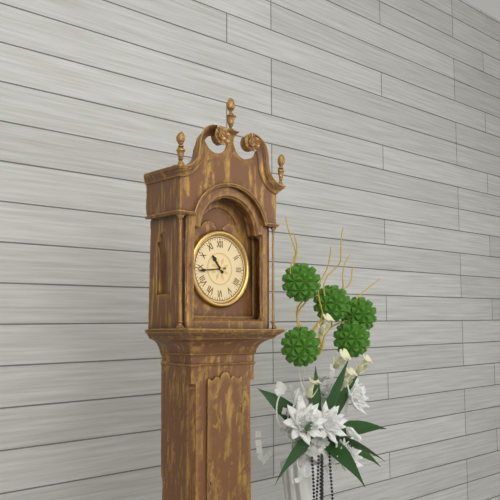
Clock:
{"hour": 10, "minute": 44}
